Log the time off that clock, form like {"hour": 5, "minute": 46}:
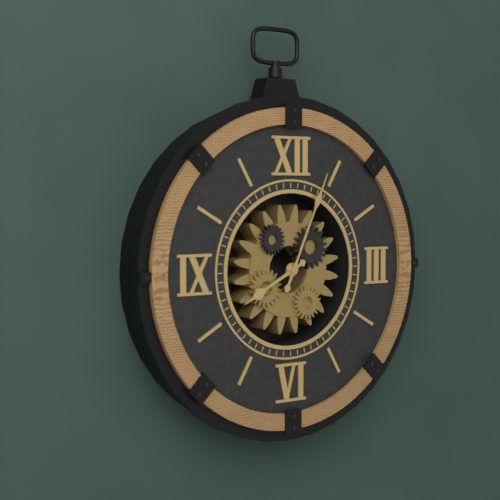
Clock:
{"hour": 8, "minute": 4}
